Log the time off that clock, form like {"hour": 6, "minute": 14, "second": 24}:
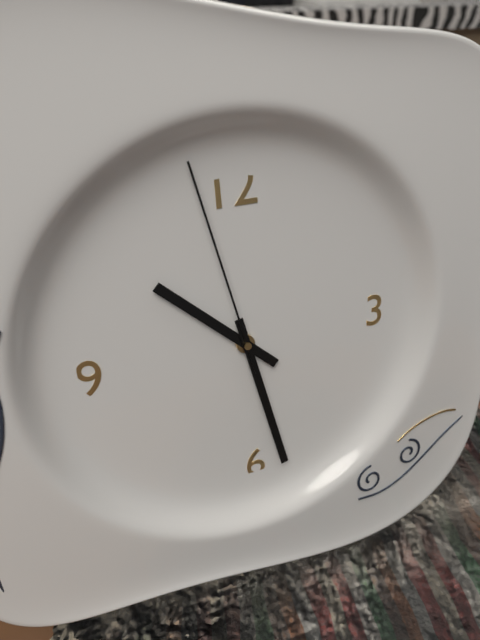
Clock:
{"hour": 10, "minute": 28, "second": 58}
